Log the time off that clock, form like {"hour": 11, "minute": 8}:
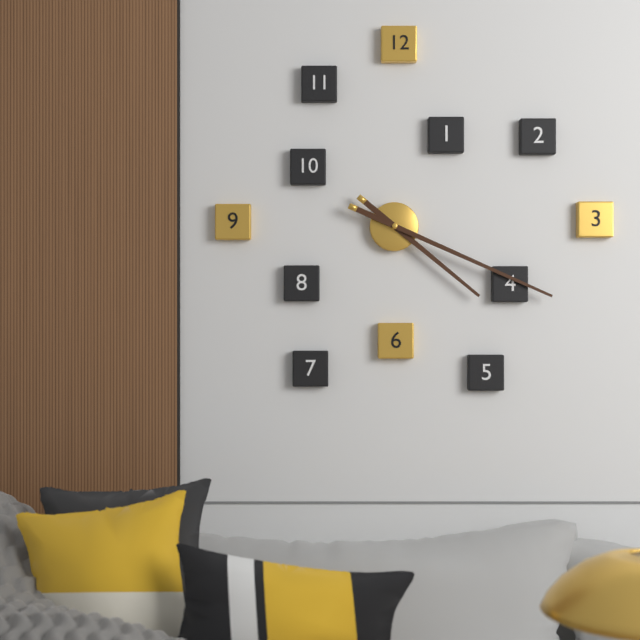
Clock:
{"hour": 4, "minute": 19}
